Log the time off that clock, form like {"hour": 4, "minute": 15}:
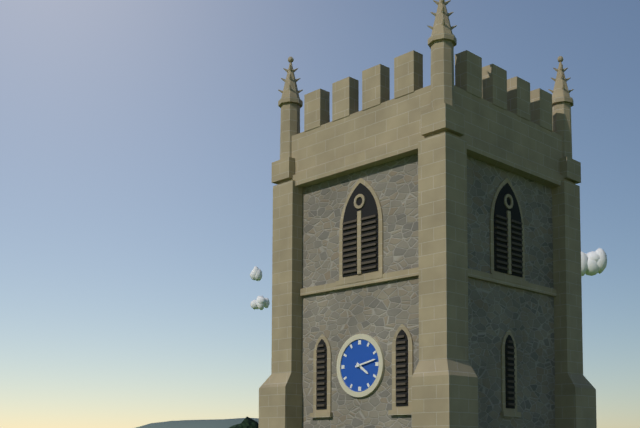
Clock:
{"hour": 4, "minute": 13}
